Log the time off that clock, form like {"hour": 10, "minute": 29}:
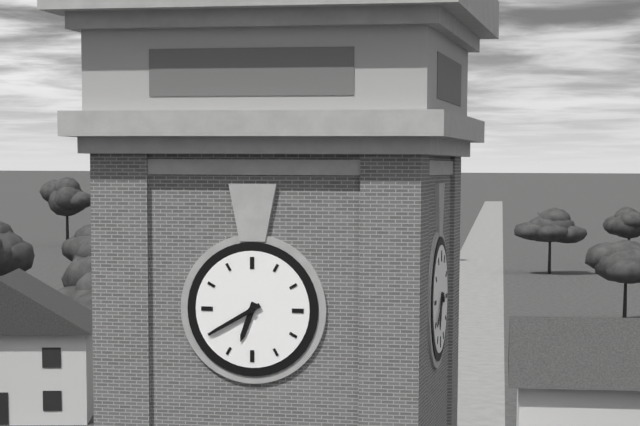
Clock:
{"hour": 6, "minute": 40}
